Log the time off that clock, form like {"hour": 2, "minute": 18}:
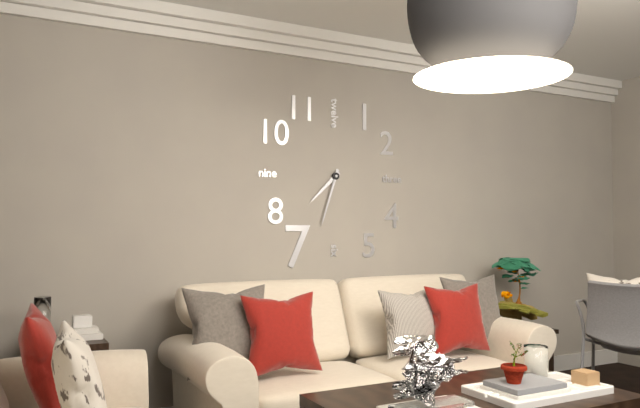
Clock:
{"hour": 7, "minute": 33}
